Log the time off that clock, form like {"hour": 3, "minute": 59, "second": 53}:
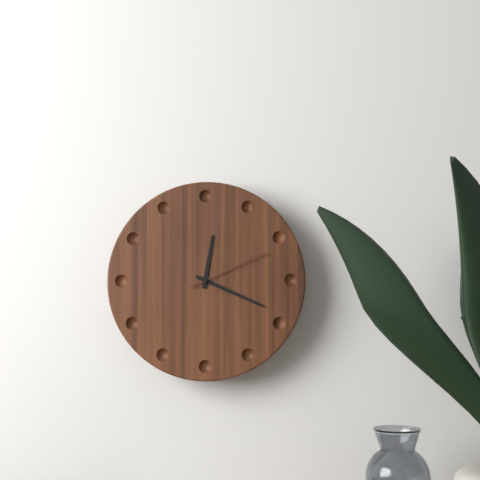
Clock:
{"hour": 12, "minute": 19, "second": 11}
